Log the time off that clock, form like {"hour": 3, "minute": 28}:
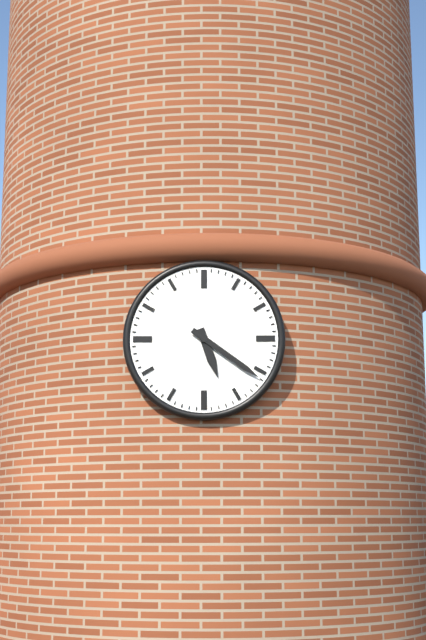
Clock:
{"hour": 5, "minute": 21}
